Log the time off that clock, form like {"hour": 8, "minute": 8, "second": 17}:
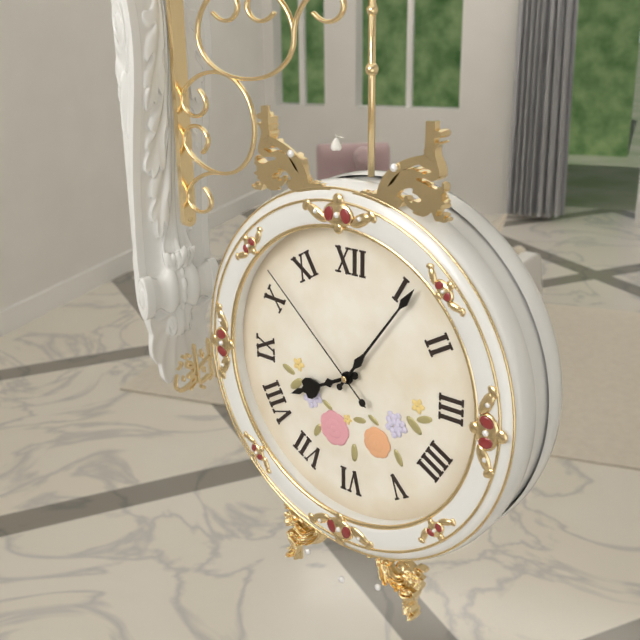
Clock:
{"hour": 8, "minute": 6, "second": 52}
